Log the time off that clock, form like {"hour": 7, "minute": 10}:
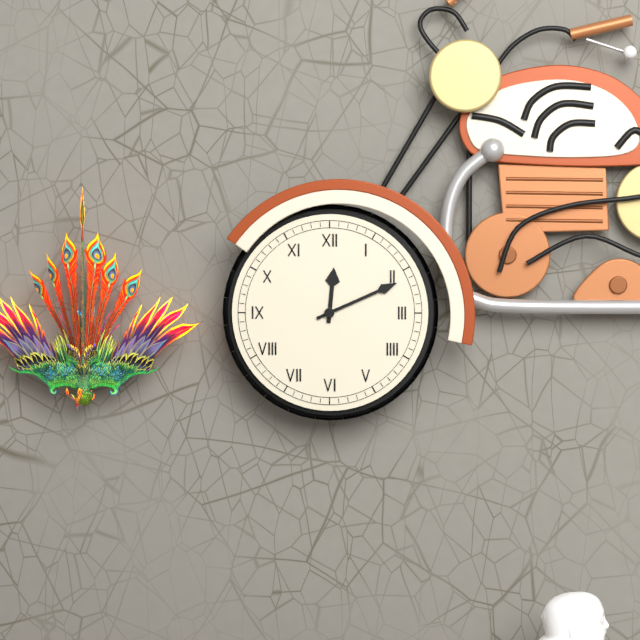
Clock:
{"hour": 12, "minute": 11}
